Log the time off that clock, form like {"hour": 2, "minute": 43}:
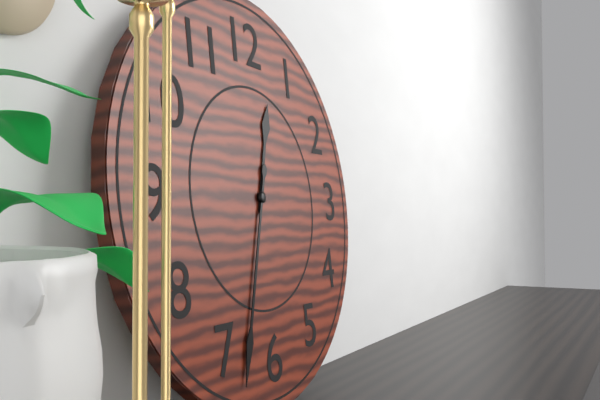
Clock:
{"hour": 12, "minute": 33}
